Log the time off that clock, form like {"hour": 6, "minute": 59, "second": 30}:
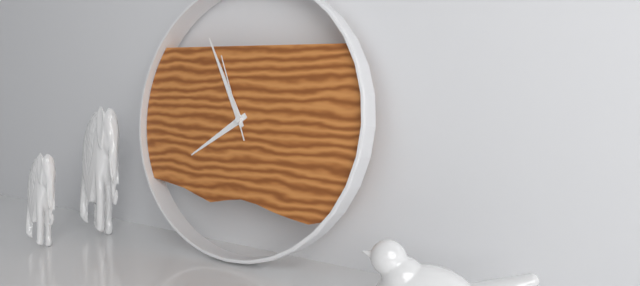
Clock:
{"hour": 7, "minute": 55, "second": 56}
